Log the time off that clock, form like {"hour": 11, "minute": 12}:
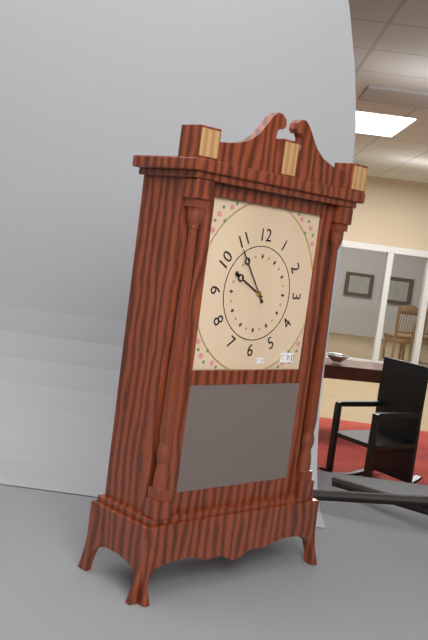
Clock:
{"hour": 9, "minute": 54}
